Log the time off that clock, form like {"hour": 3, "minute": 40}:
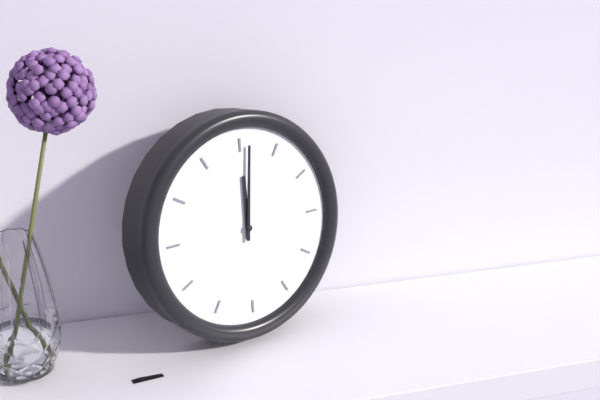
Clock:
{"hour": 12, "minute": 1}
